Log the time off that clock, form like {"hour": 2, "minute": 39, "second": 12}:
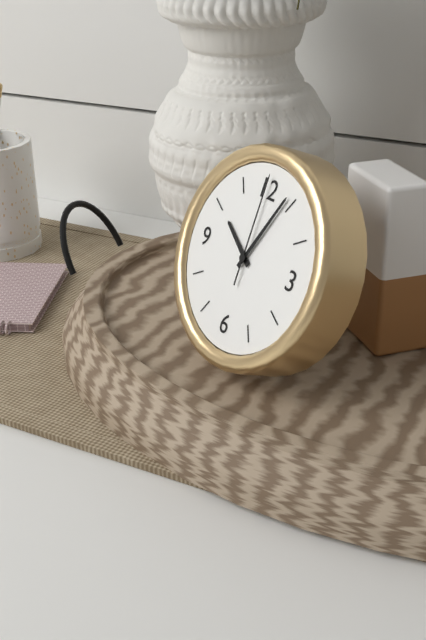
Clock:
{"hour": 10, "minute": 4, "second": 0}
